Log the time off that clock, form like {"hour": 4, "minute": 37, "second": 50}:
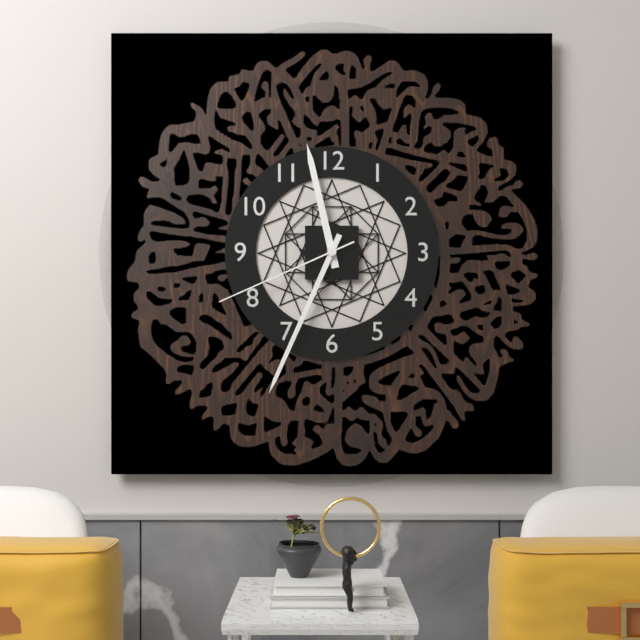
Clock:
{"hour": 11, "minute": 34, "second": 41}
